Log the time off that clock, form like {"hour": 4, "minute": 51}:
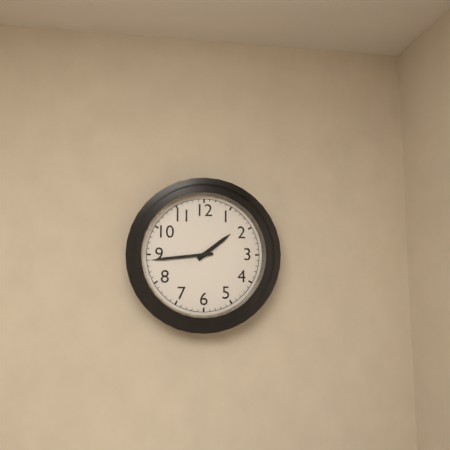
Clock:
{"hour": 1, "minute": 44}
